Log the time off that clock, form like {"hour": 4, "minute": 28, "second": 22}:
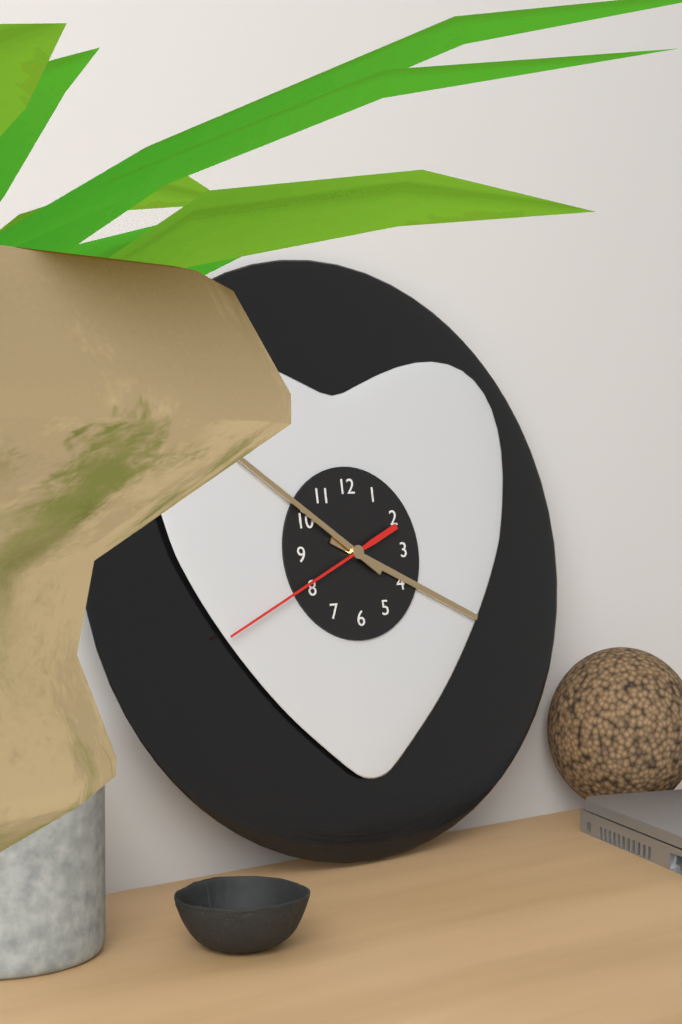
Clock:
{"hour": 3, "minute": 51, "second": 41}
